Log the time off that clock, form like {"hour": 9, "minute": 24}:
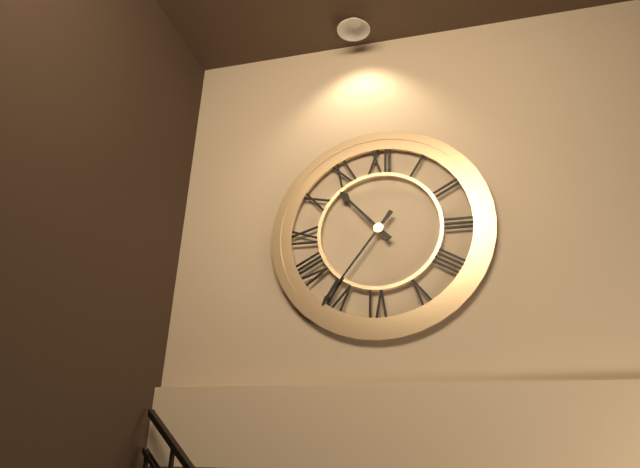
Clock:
{"hour": 10, "minute": 36}
